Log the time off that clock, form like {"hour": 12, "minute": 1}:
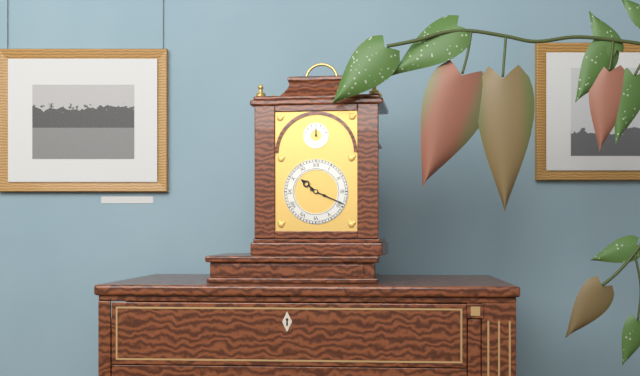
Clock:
{"hour": 10, "minute": 19}
